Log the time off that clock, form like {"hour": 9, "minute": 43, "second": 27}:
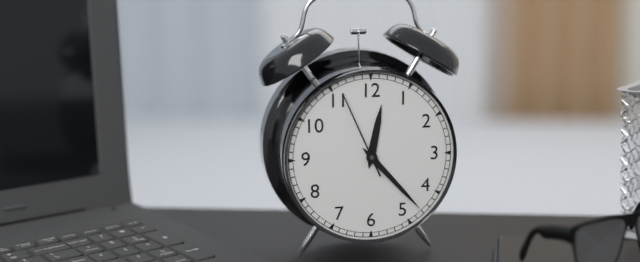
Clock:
{"hour": 12, "minute": 23, "second": 56}
